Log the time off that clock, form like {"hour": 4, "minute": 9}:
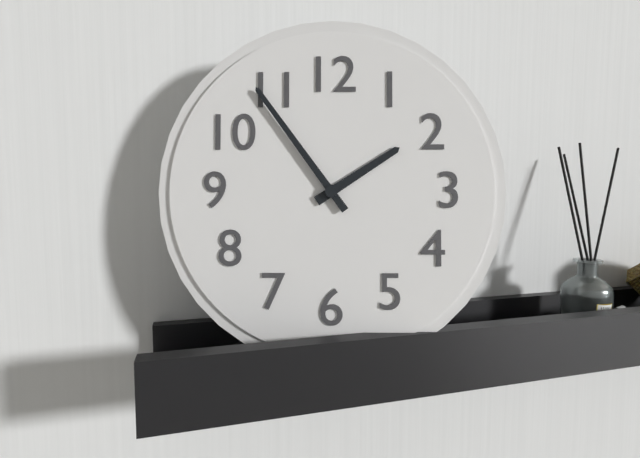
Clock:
{"hour": 1, "minute": 54}
